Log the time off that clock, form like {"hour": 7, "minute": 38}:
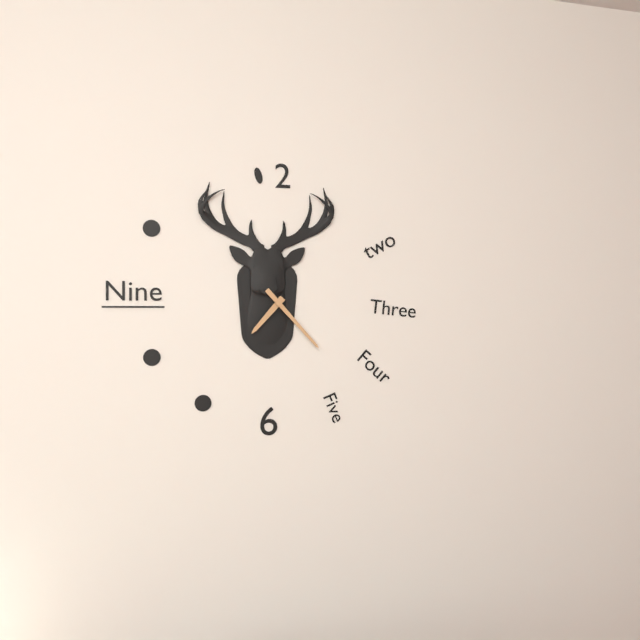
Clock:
{"hour": 7, "minute": 23}
